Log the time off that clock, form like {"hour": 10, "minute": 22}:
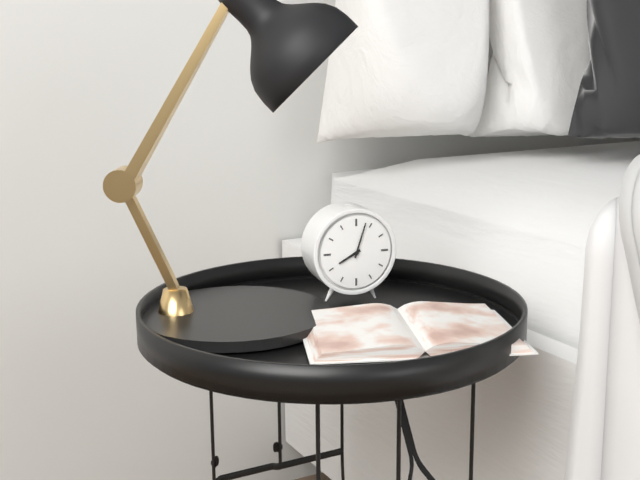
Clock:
{"hour": 8, "minute": 3}
